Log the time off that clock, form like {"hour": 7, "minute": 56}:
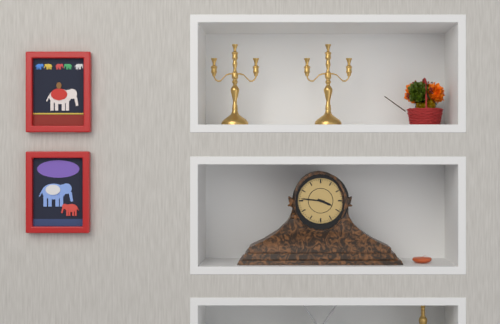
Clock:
{"hour": 3, "minute": 46}
